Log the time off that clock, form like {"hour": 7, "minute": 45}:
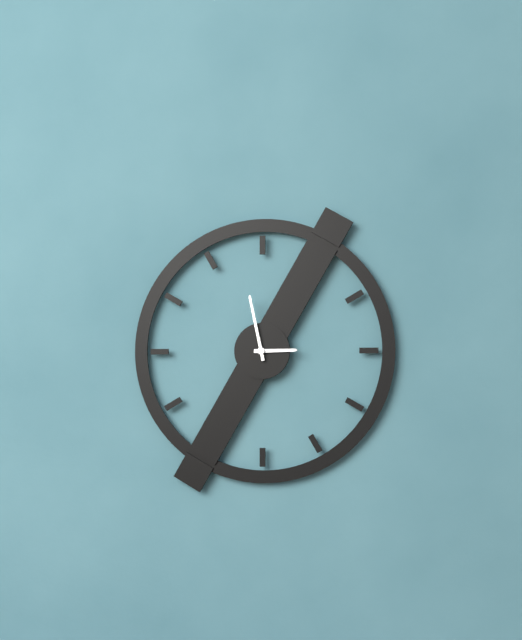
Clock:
{"hour": 2, "minute": 58}
